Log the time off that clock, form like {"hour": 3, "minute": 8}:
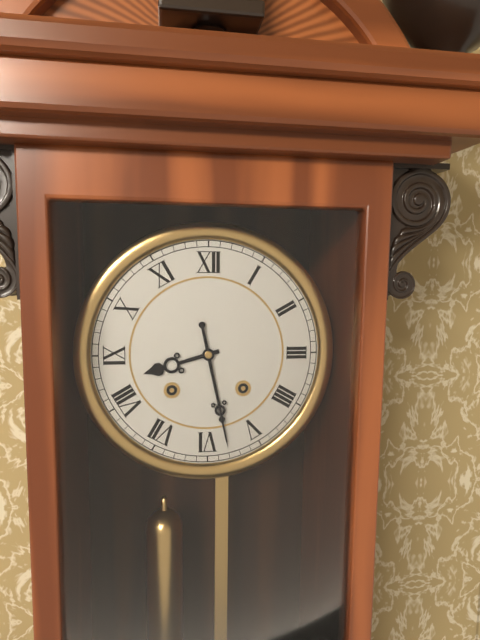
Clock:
{"hour": 8, "minute": 28}
